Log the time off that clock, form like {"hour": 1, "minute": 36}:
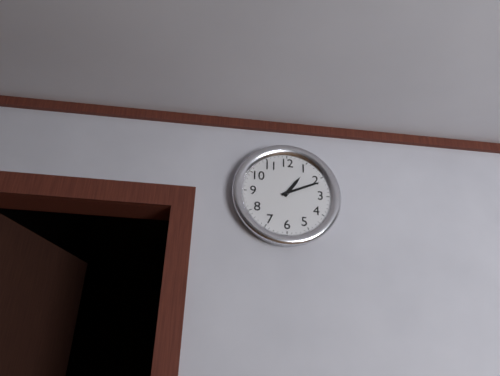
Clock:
{"hour": 1, "minute": 11}
